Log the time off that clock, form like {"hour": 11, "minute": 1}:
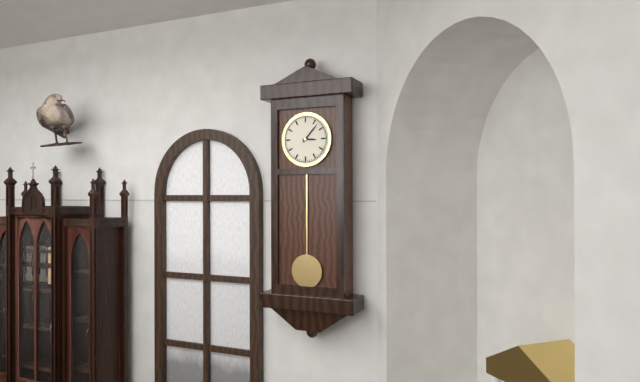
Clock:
{"hour": 3, "minute": 7}
